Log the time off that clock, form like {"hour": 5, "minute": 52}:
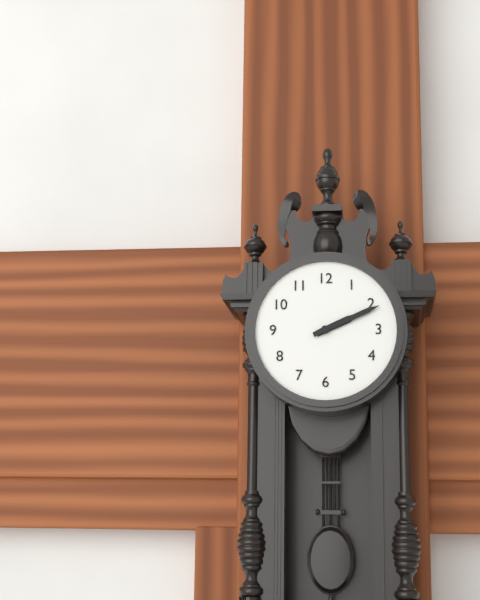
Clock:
{"hour": 2, "minute": 11}
